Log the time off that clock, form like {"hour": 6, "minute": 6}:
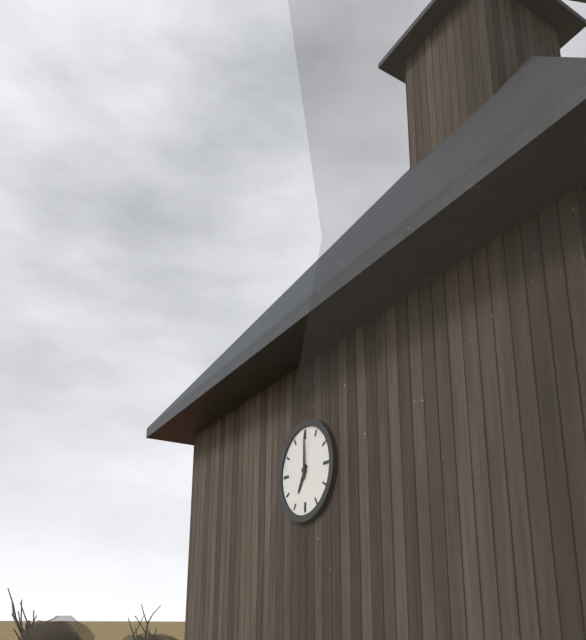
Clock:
{"hour": 7, "minute": 0}
